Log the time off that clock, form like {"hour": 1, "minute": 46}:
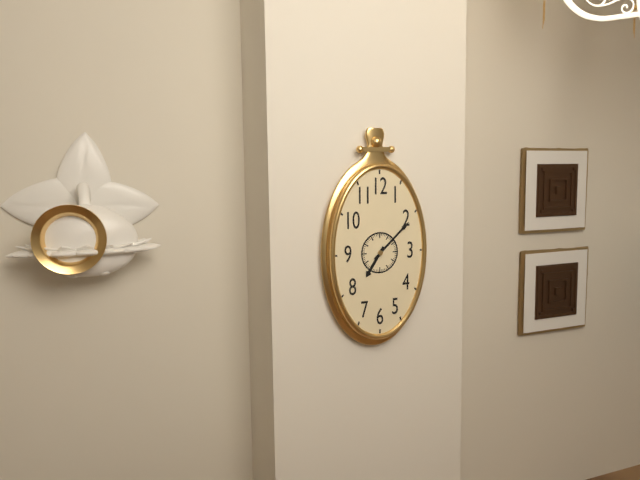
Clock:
{"hour": 7, "minute": 8}
